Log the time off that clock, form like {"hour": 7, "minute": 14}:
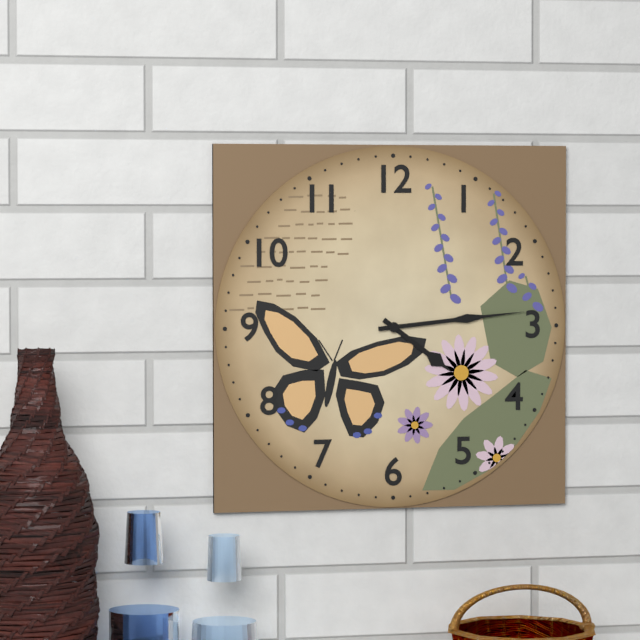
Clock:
{"hour": 4, "minute": 14}
